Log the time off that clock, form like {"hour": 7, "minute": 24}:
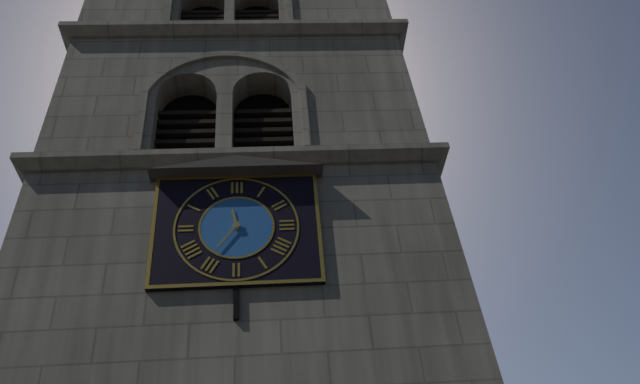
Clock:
{"hour": 11, "minute": 36}
